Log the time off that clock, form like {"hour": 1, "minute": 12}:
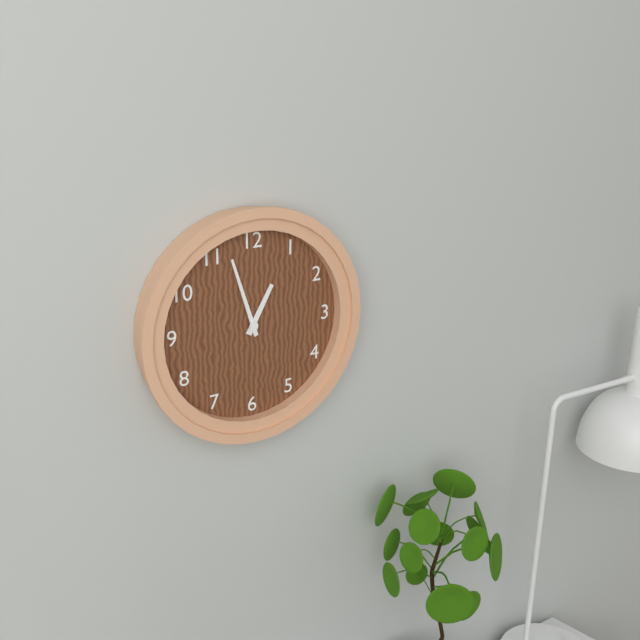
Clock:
{"hour": 12, "minute": 57}
